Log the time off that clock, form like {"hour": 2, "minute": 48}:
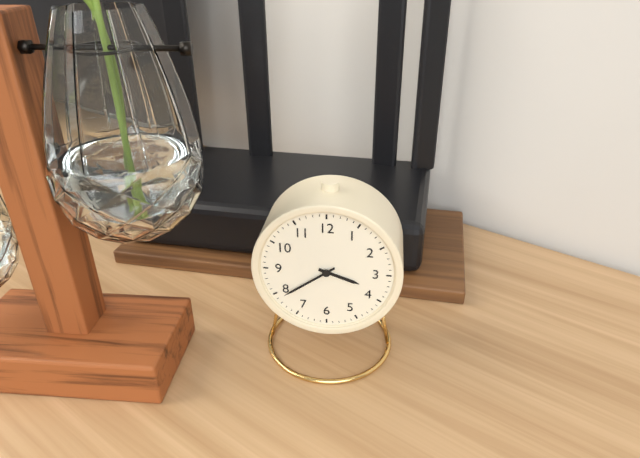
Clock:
{"hour": 3, "minute": 39}
